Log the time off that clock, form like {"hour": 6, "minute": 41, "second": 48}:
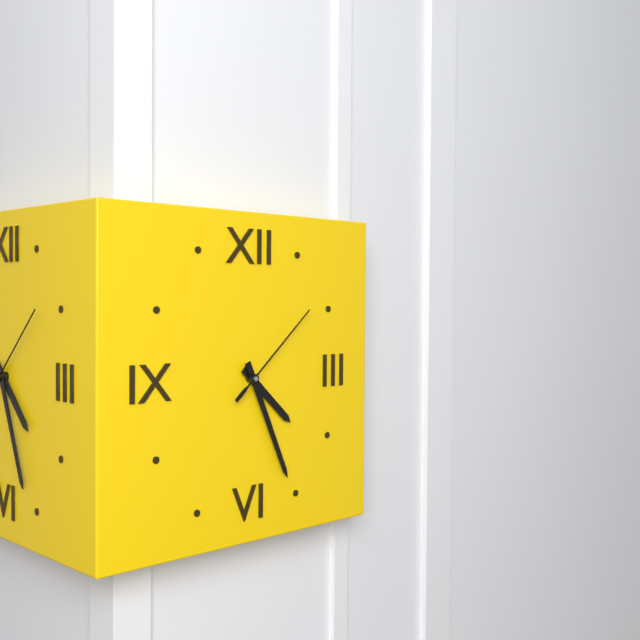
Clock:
{"hour": 4, "minute": 26, "second": 8}
